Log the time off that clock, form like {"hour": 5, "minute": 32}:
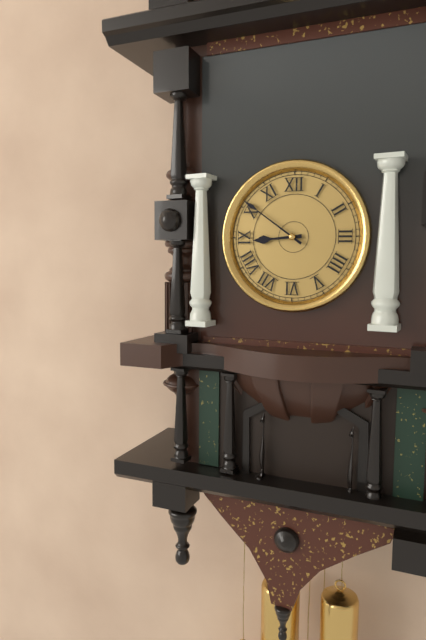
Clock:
{"hour": 8, "minute": 51}
